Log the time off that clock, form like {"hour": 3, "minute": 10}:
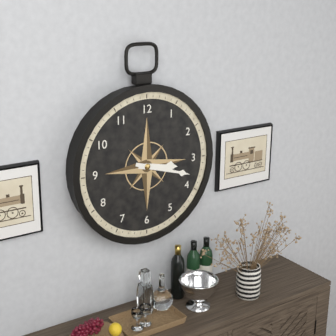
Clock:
{"hour": 3, "minute": 18}
